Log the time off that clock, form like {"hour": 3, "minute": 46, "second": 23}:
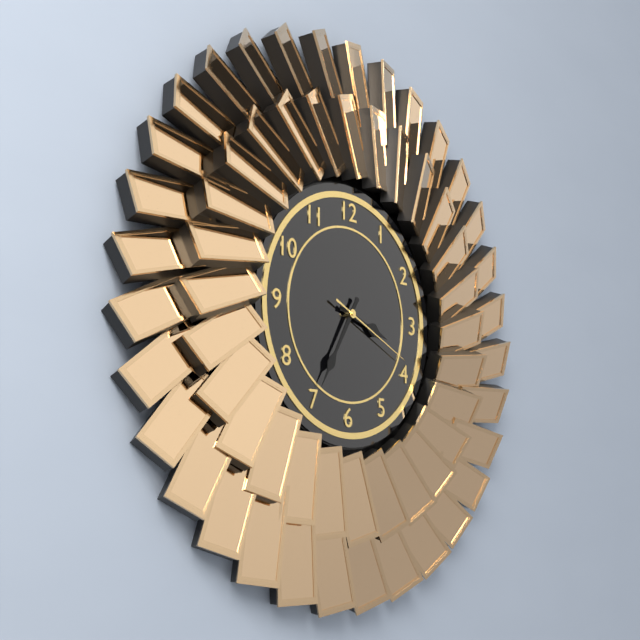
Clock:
{"hour": 3, "minute": 35, "second": 19}
